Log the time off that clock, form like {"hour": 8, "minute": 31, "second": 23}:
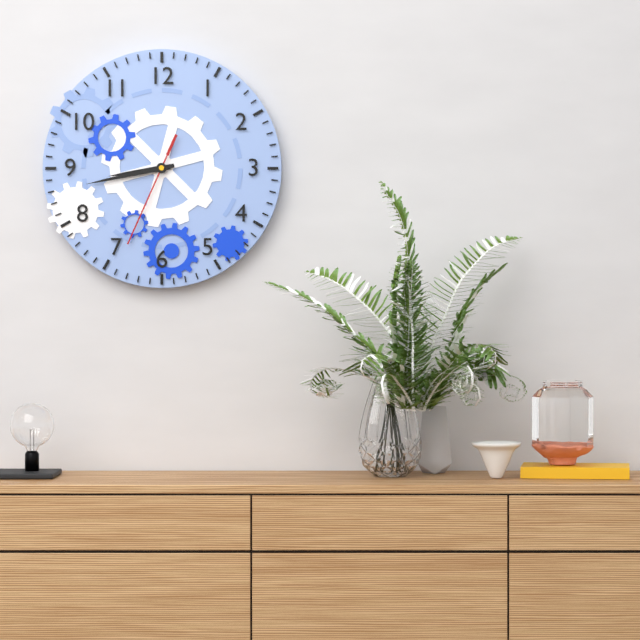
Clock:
{"hour": 8, "minute": 43, "second": 34}
